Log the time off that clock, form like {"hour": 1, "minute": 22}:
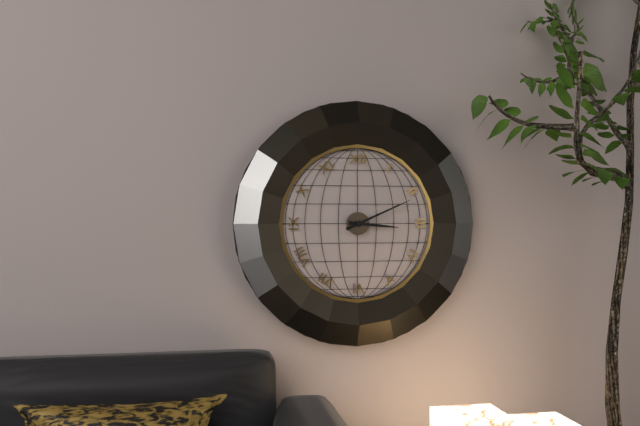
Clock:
{"hour": 3, "minute": 11}
